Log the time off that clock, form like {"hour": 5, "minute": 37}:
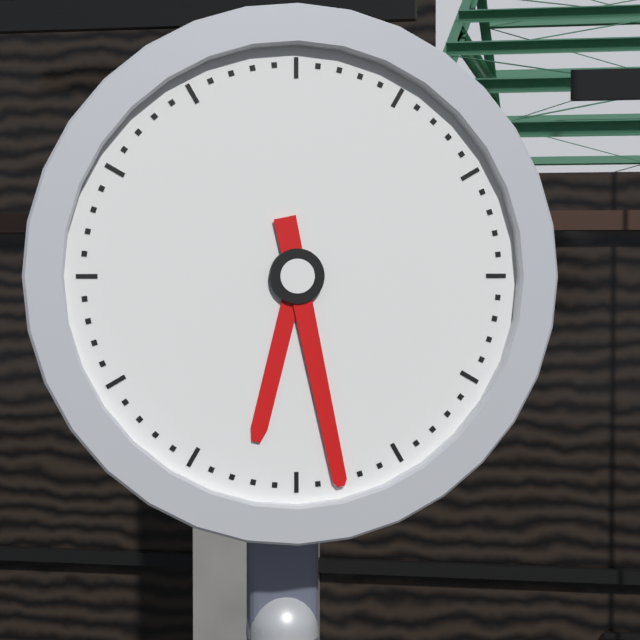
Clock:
{"hour": 6, "minute": 28}
